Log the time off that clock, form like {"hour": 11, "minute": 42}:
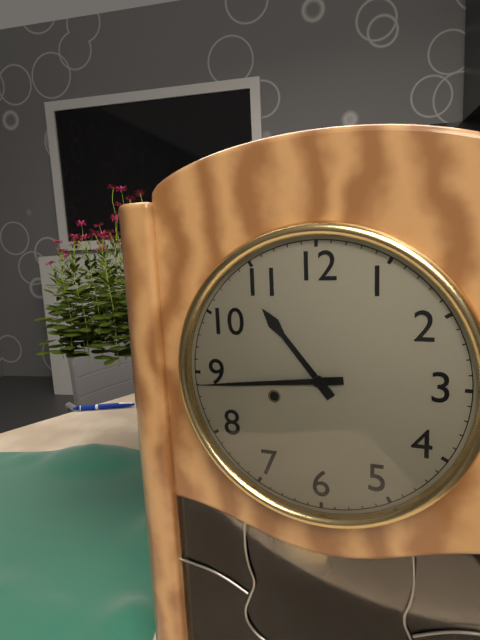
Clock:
{"hour": 10, "minute": 44}
